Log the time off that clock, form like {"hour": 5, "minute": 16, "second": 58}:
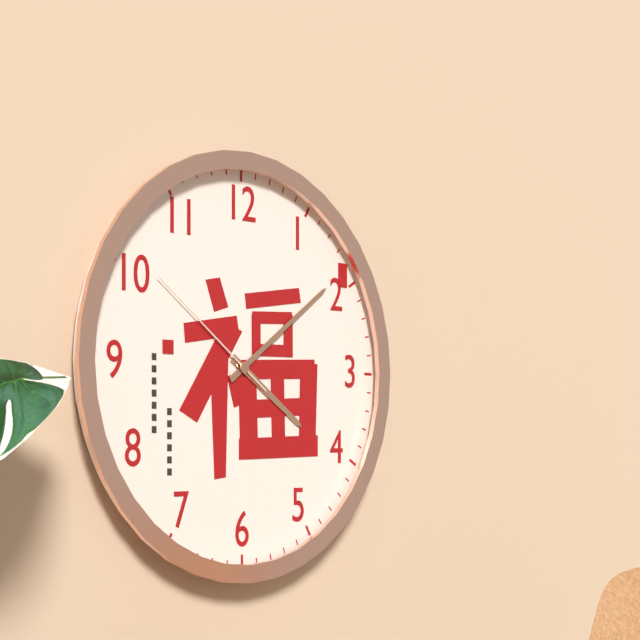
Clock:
{"hour": 4, "minute": 9, "second": 51}
